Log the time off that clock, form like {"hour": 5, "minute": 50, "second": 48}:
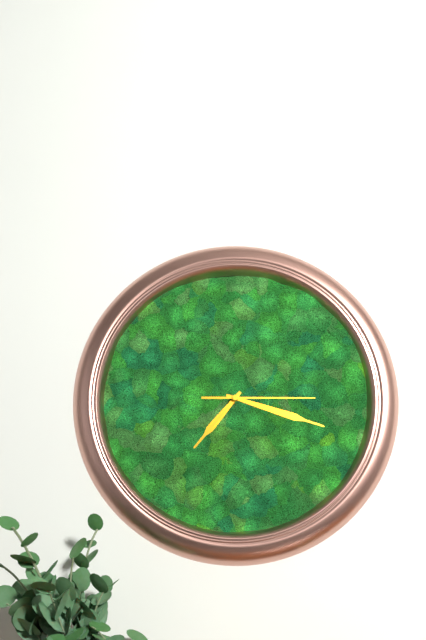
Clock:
{"hour": 7, "minute": 18, "second": 15}
